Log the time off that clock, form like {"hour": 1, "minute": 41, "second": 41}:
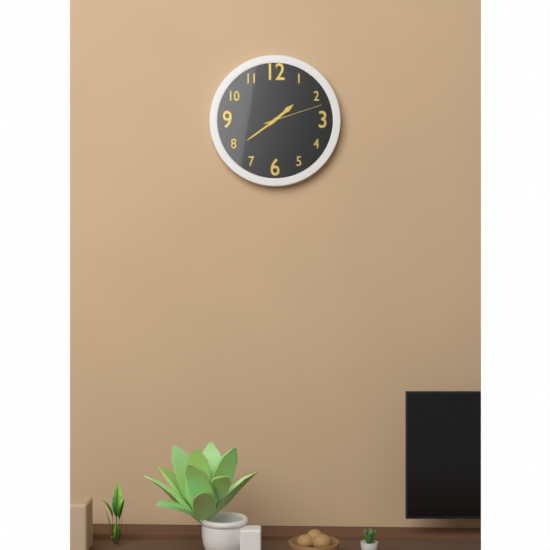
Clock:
{"hour": 1, "minute": 39, "second": 12}
